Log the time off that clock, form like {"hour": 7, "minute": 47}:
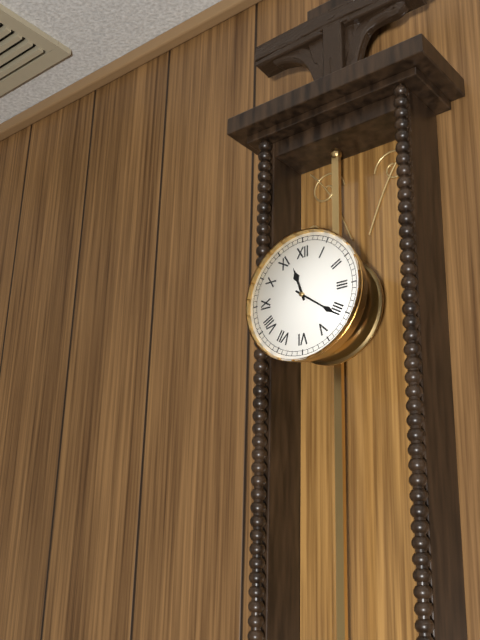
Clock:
{"hour": 11, "minute": 21}
